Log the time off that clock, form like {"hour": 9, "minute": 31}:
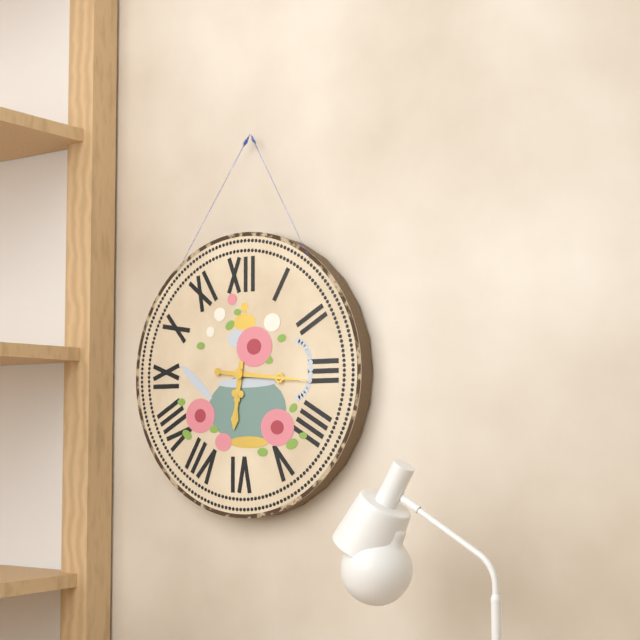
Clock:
{"hour": 6, "minute": 16}
